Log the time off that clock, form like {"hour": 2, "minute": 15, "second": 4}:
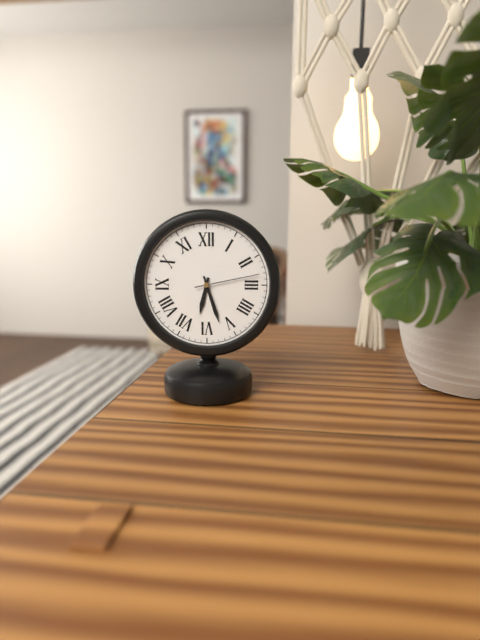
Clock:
{"hour": 6, "minute": 27, "second": 13}
